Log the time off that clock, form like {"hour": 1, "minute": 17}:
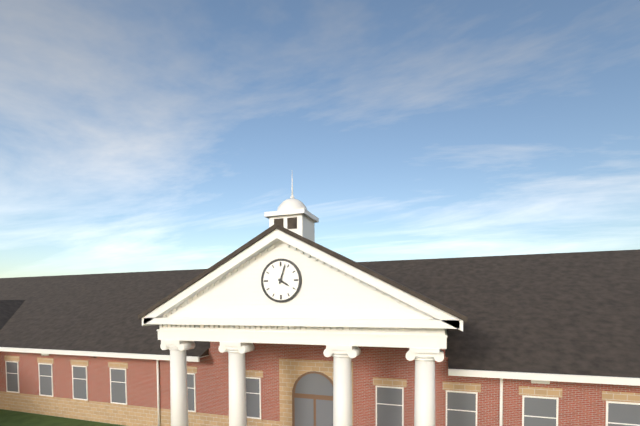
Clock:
{"hour": 4, "minute": 3}
